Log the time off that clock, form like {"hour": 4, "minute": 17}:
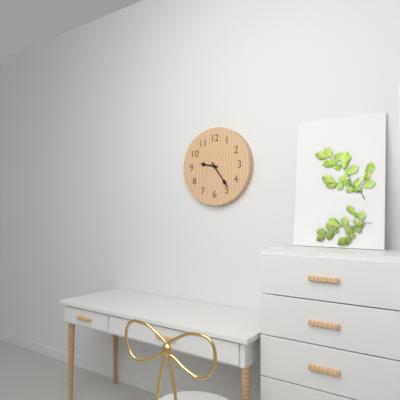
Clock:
{"hour": 9, "minute": 24}
